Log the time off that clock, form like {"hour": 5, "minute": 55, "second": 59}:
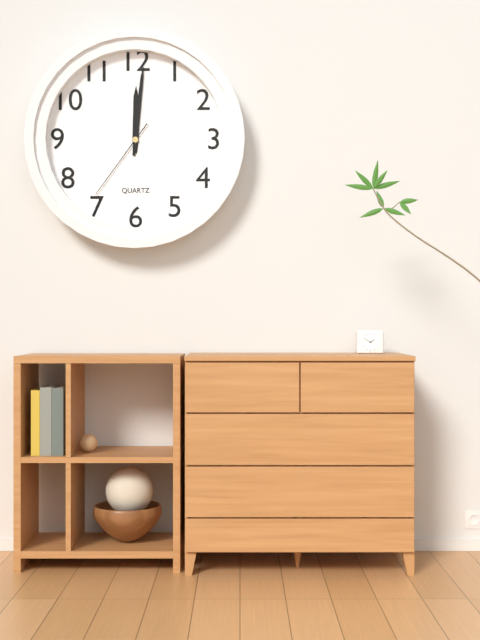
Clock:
{"hour": 12, "minute": 1, "second": 36}
